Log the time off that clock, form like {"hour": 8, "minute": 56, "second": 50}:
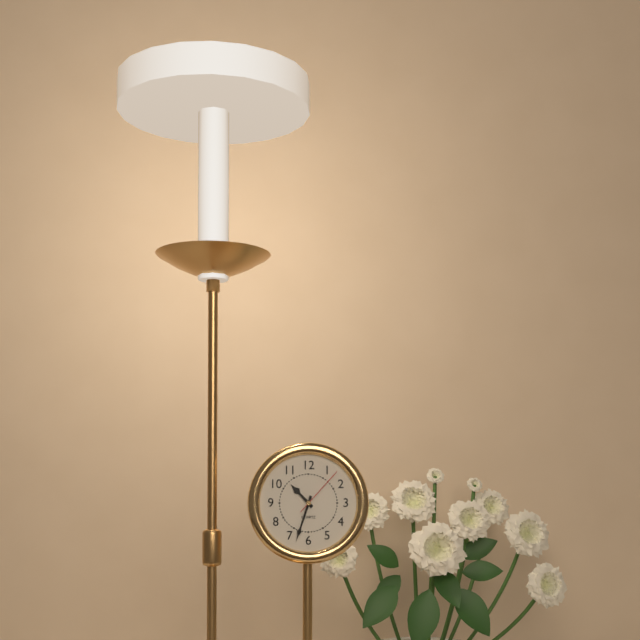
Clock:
{"hour": 10, "minute": 33, "second": 7}
